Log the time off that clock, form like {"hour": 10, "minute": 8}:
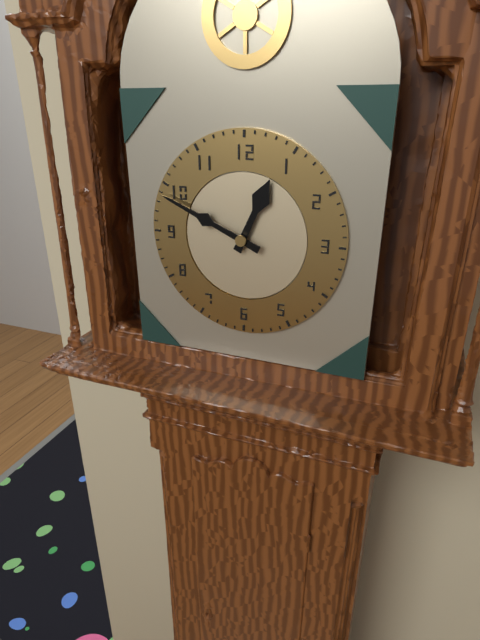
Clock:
{"hour": 12, "minute": 49}
